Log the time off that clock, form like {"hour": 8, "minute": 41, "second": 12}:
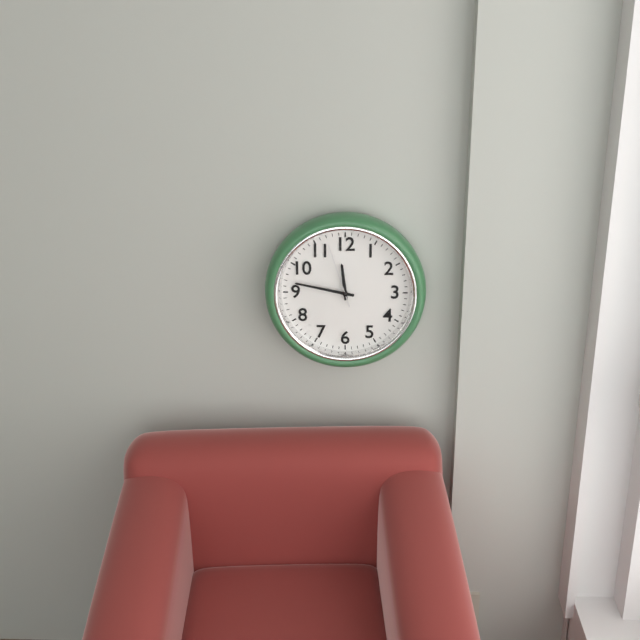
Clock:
{"hour": 11, "minute": 47, "second": 57}
